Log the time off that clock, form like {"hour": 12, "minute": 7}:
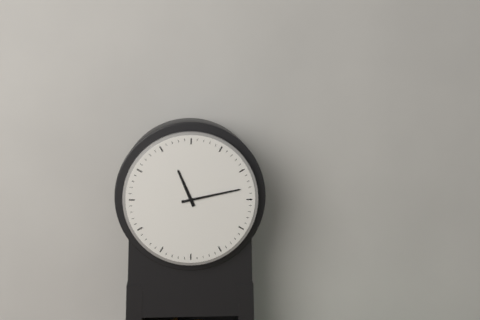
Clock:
{"hour": 11, "minute": 13}
